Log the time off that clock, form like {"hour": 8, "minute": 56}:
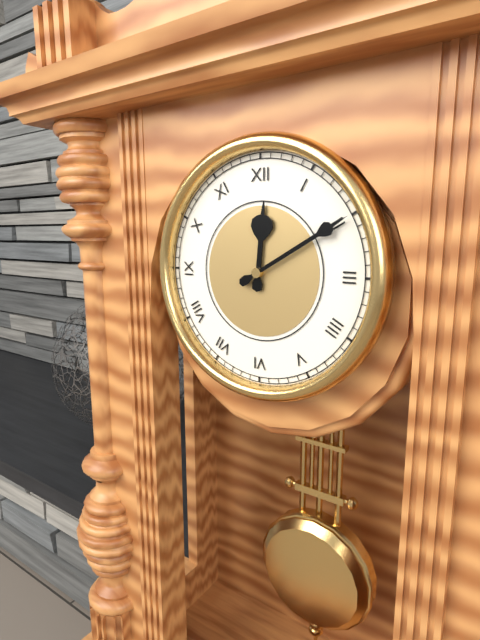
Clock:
{"hour": 12, "minute": 10}
